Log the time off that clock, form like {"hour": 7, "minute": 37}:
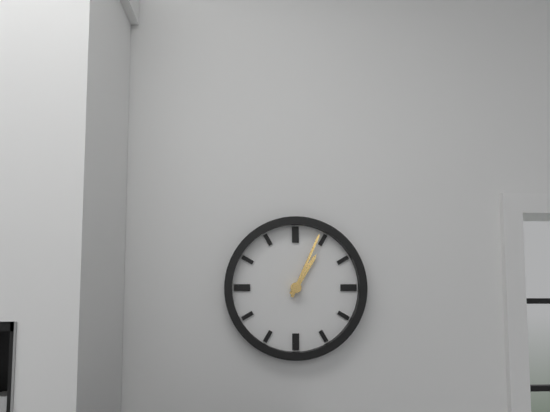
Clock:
{"hour": 1, "minute": 4}
